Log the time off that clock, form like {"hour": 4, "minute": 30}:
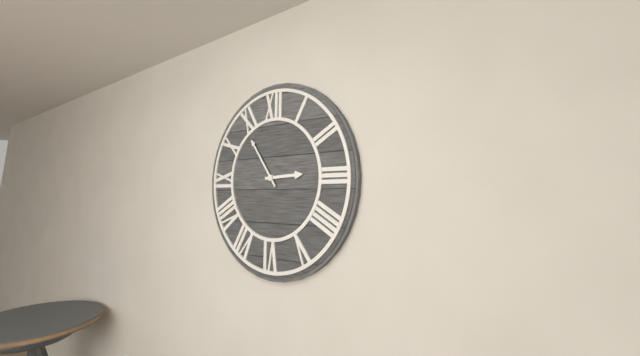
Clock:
{"hour": 2, "minute": 54}
